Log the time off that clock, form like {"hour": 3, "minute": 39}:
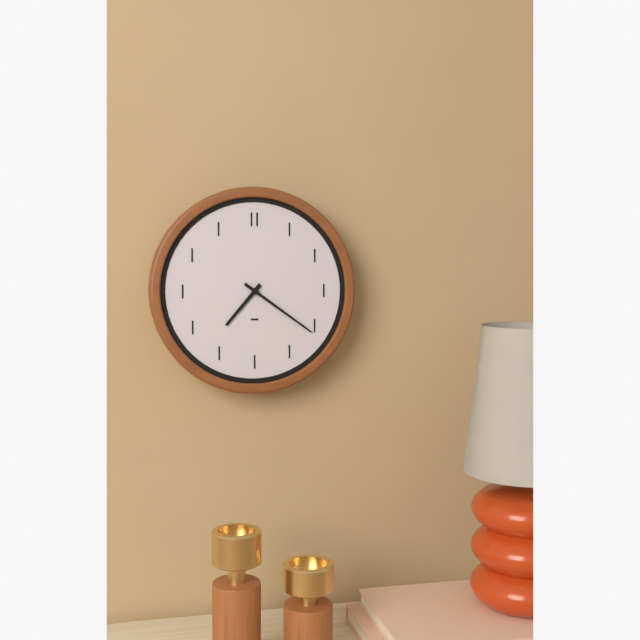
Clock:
{"hour": 7, "minute": 21}
